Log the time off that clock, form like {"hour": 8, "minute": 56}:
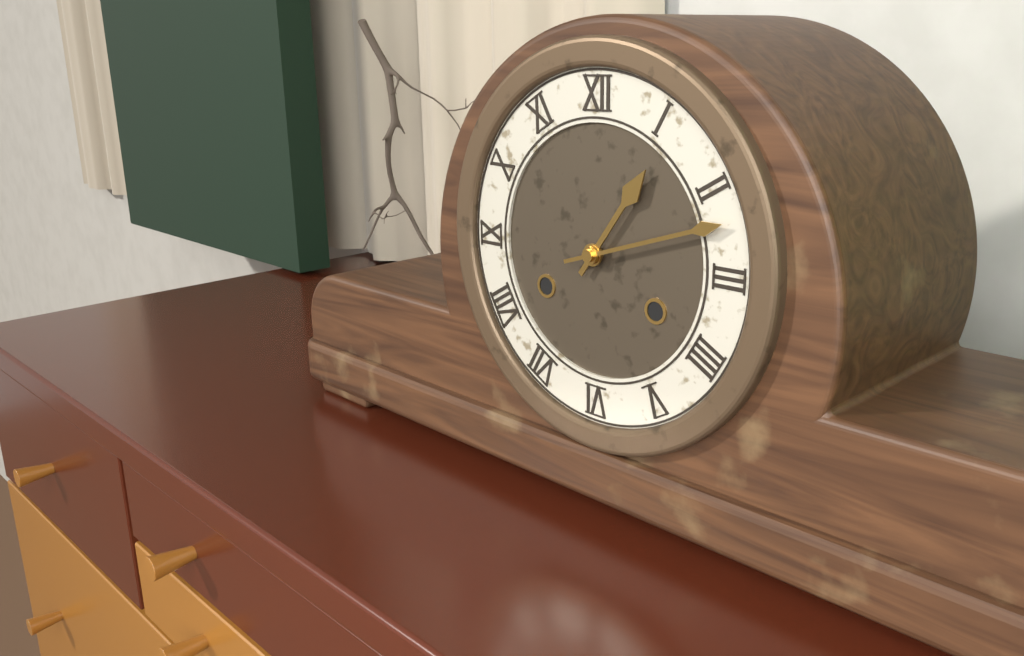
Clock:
{"hour": 1, "minute": 12}
